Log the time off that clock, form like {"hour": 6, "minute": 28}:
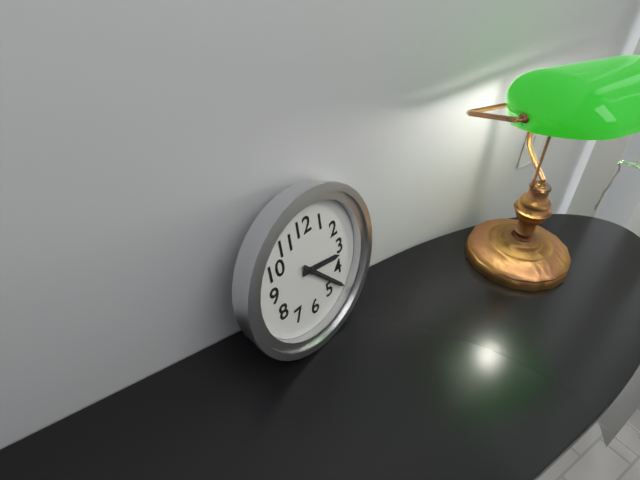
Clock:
{"hour": 3, "minute": 23}
